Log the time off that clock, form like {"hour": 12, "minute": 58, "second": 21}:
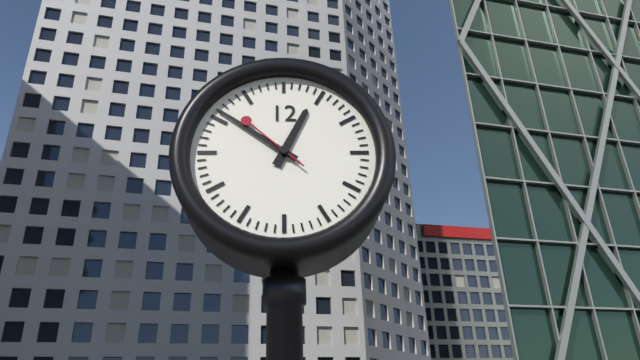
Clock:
{"hour": 12, "minute": 51, "second": 52}
